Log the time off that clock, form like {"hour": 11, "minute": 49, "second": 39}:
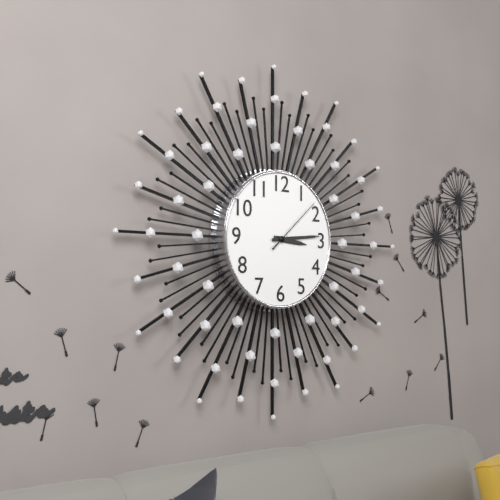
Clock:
{"hour": 3, "minute": 14, "second": 8}
